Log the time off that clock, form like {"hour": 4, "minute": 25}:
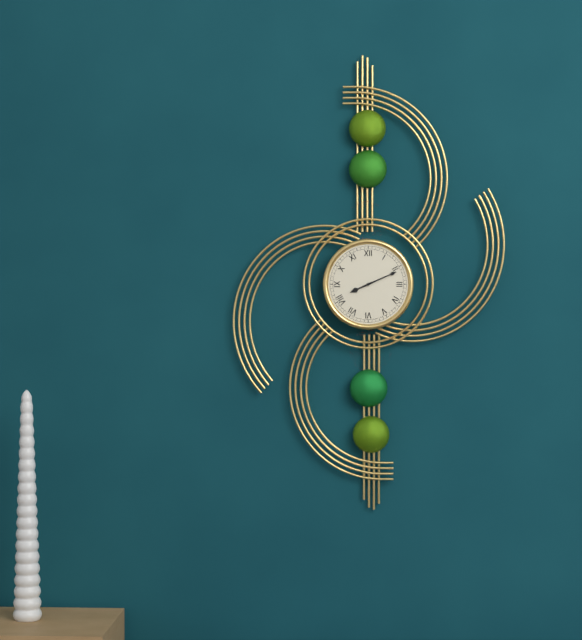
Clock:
{"hour": 8, "minute": 11}
